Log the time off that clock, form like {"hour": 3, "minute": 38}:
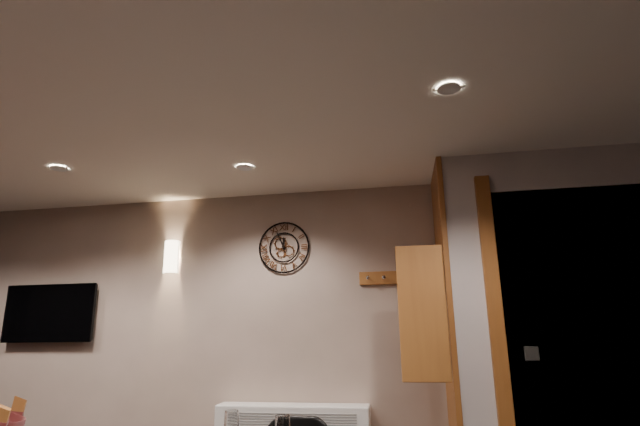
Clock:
{"hour": 11, "minute": 56}
